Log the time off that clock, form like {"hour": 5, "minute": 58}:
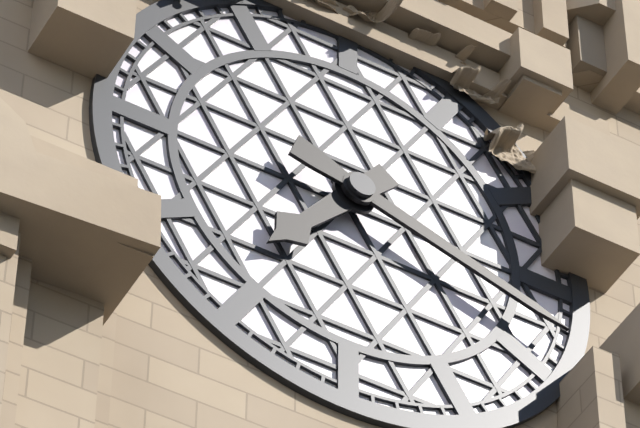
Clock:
{"hour": 7, "minute": 18}
